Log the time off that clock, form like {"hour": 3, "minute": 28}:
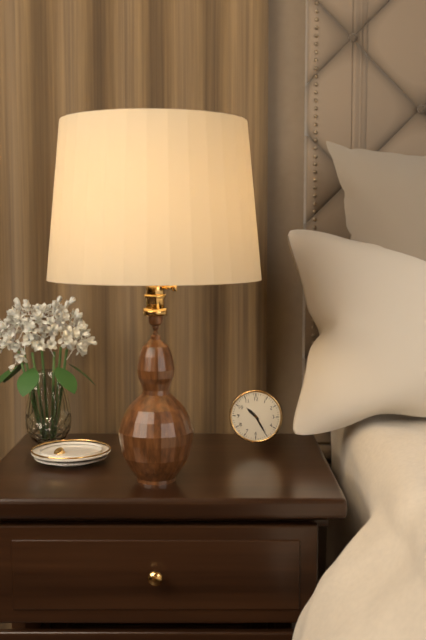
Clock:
{"hour": 10, "minute": 25}
